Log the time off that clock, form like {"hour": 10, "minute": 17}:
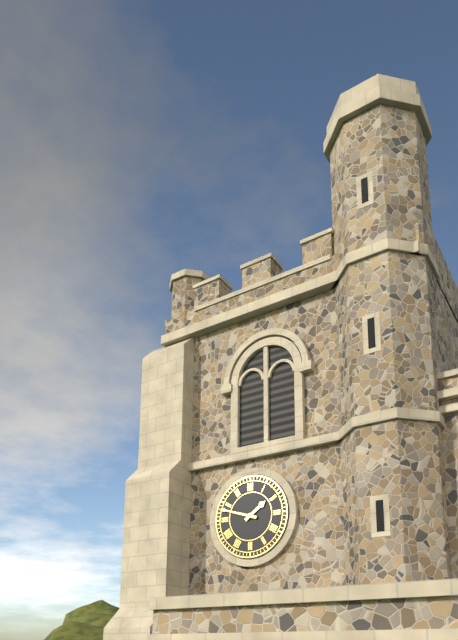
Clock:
{"hour": 1, "minute": 48}
